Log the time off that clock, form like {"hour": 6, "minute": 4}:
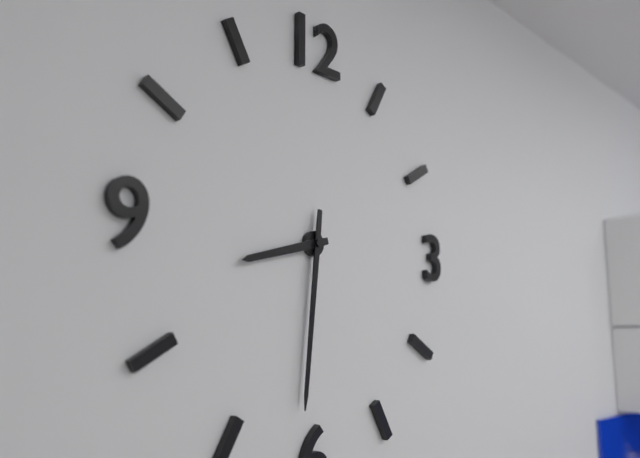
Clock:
{"hour": 8, "minute": 31}
